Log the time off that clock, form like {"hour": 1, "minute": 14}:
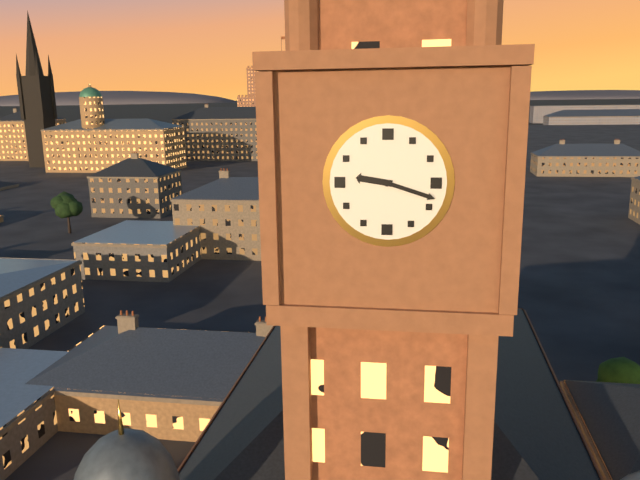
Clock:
{"hour": 9, "minute": 18}
